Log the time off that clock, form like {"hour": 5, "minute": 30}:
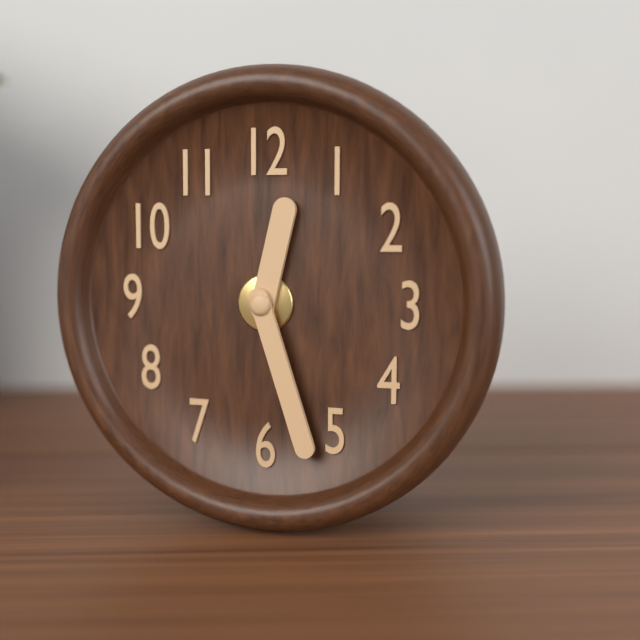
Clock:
{"hour": 12, "minute": 27}
